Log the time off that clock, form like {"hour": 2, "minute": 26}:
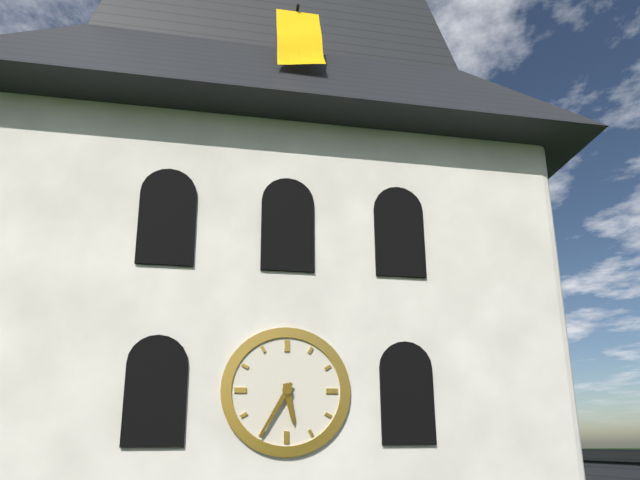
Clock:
{"hour": 5, "minute": 35}
